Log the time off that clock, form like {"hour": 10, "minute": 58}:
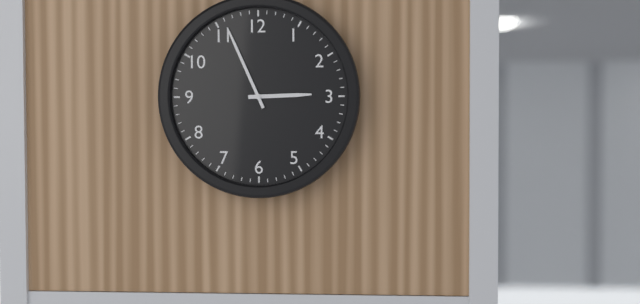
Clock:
{"hour": 2, "minute": 56}
